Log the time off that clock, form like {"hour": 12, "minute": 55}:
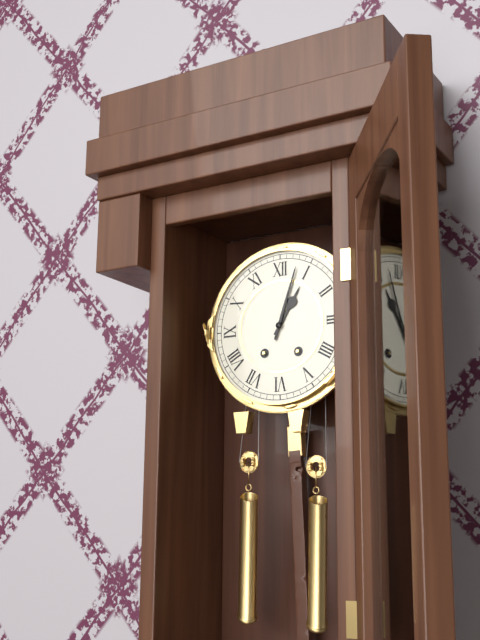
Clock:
{"hour": 1, "minute": 3}
